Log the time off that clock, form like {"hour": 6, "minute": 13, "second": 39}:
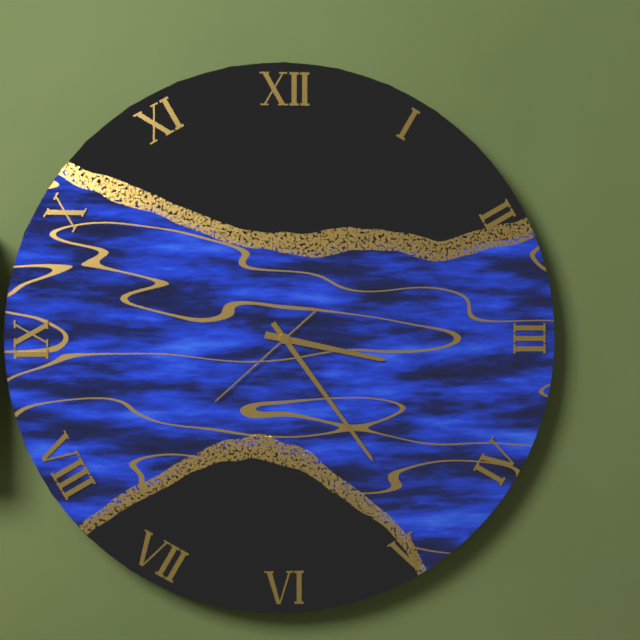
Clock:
{"hour": 3, "minute": 24, "second": 38}
